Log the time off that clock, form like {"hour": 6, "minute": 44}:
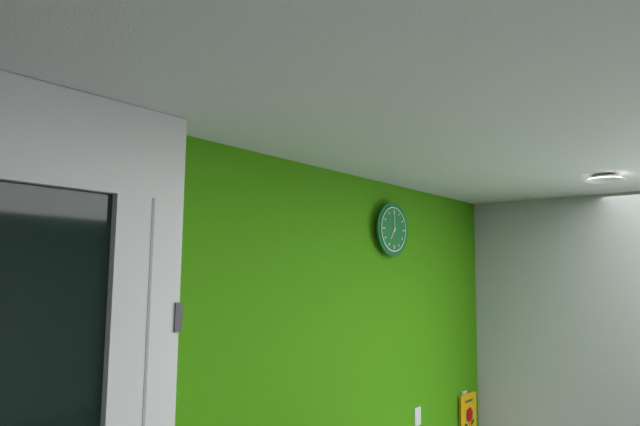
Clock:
{"hour": 7, "minute": 0}
